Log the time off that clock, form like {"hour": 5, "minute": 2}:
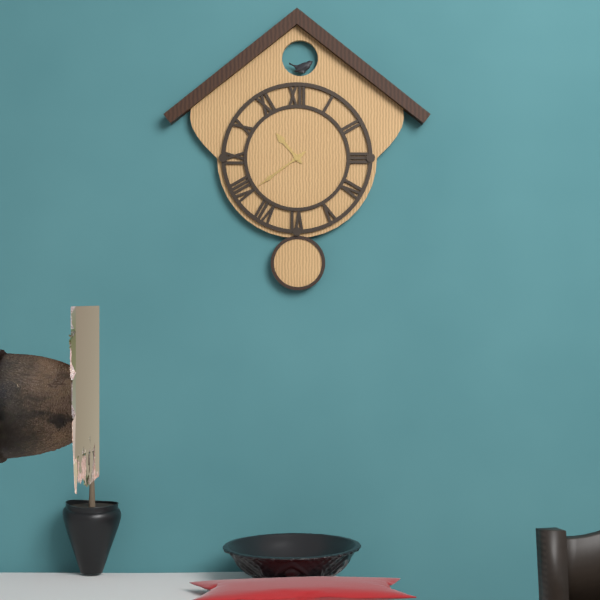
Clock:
{"hour": 10, "minute": 39}
